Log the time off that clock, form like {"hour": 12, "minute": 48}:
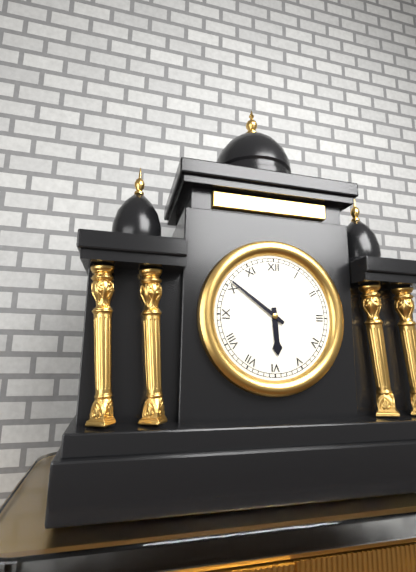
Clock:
{"hour": 5, "minute": 51}
